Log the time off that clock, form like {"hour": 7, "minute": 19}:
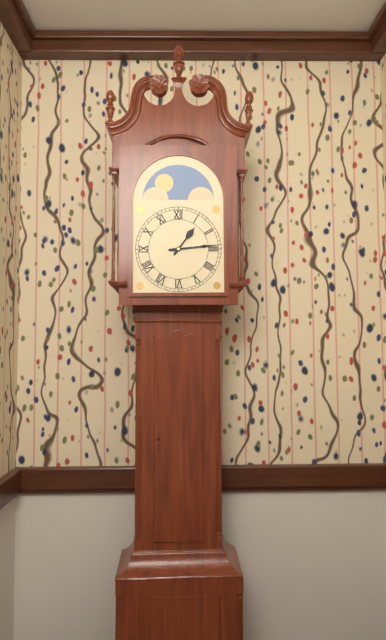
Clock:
{"hour": 1, "minute": 14}
